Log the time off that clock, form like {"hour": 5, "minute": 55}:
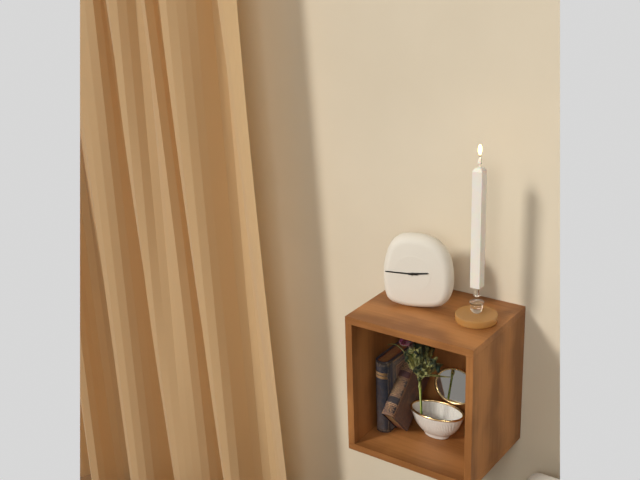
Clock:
{"hour": 2, "minute": 45}
